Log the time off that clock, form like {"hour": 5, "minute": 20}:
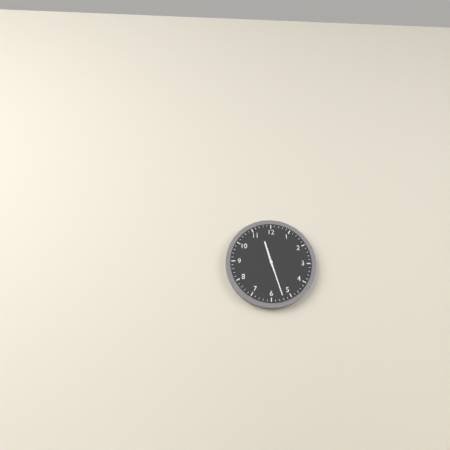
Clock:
{"hour": 11, "minute": 27}
